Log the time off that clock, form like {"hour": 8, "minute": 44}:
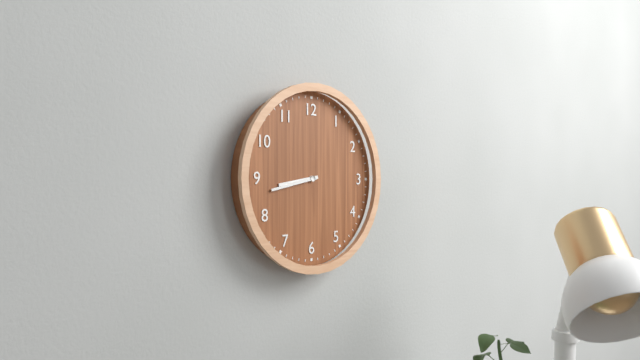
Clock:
{"hour": 8, "minute": 43}
